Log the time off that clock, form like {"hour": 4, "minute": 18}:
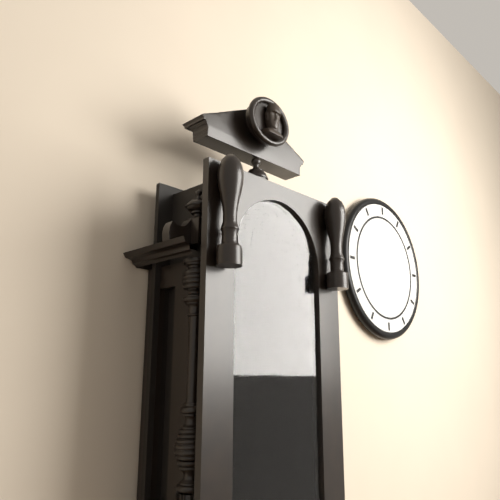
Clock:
{"hour": 1, "minute": 28}
